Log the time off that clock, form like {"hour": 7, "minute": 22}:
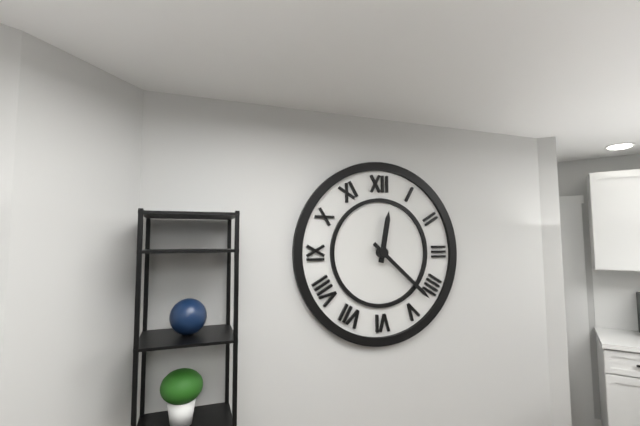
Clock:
{"hour": 12, "minute": 22}
